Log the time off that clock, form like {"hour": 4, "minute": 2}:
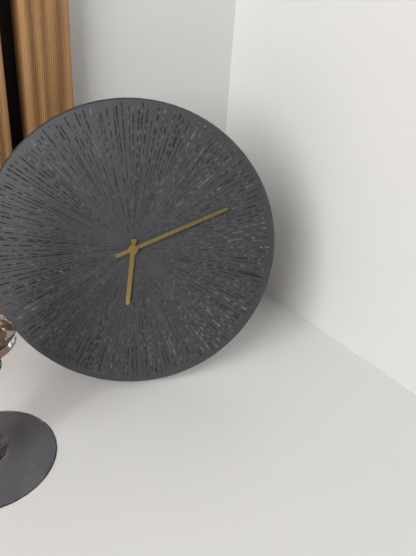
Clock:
{"hour": 6, "minute": 11}
